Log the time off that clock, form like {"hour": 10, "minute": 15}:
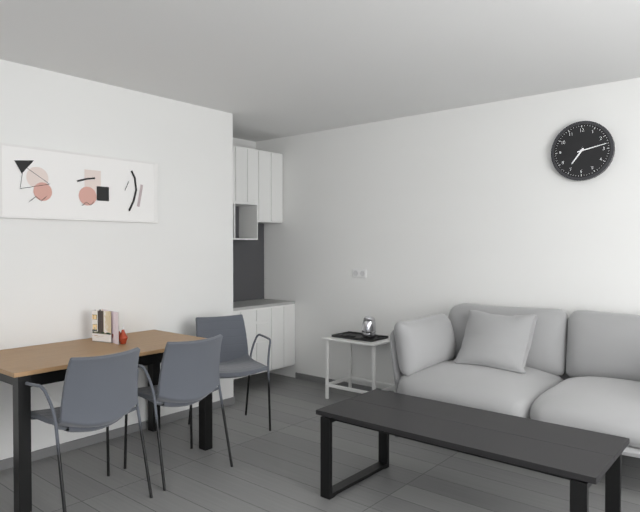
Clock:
{"hour": 7, "minute": 13}
